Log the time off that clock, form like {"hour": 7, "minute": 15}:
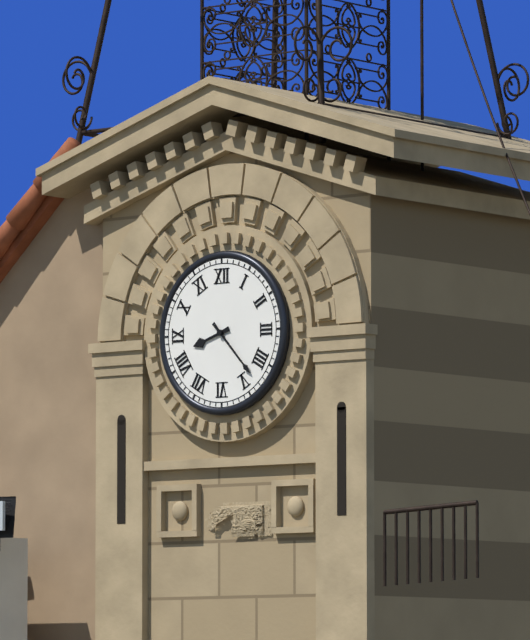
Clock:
{"hour": 8, "minute": 23}
